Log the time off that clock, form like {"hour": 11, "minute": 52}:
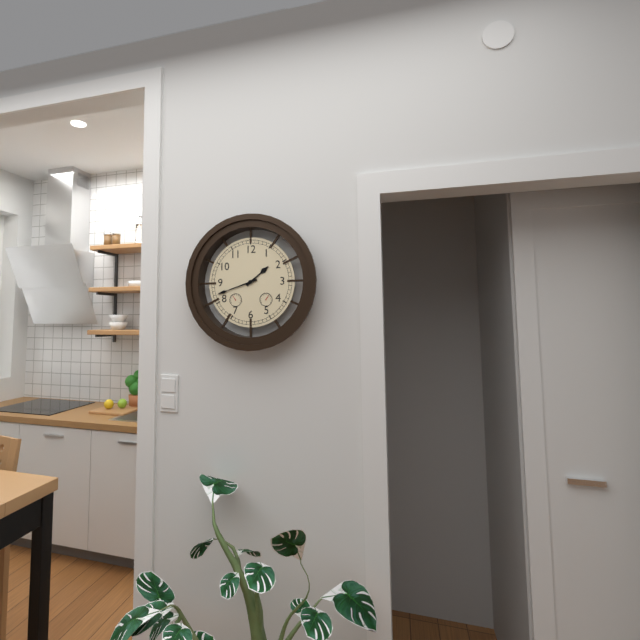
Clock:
{"hour": 1, "minute": 42}
